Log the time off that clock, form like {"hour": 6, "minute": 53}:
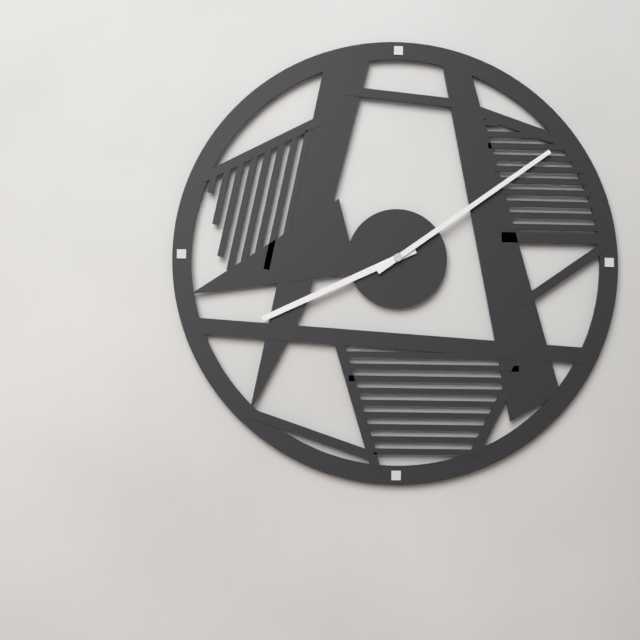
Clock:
{"hour": 8, "minute": 9}
